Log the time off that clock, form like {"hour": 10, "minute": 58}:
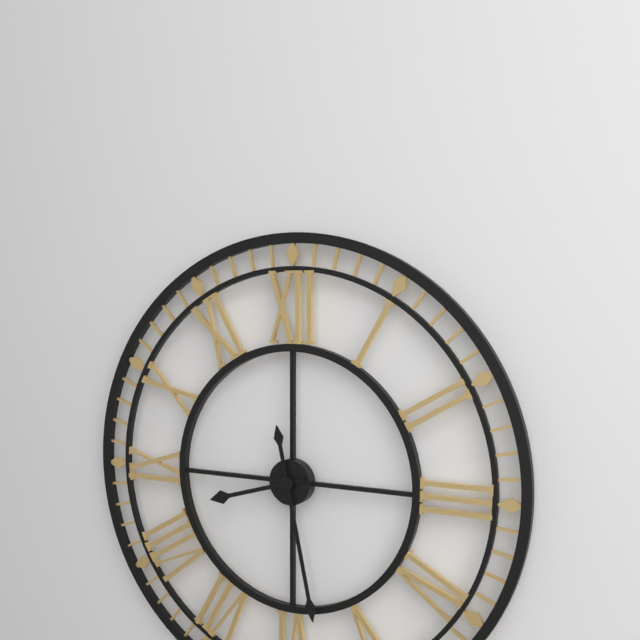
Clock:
{"hour": 8, "minute": 28}
